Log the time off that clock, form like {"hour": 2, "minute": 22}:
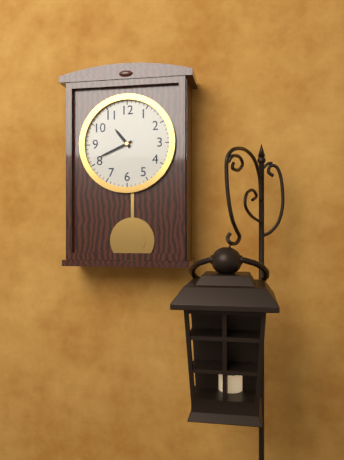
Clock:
{"hour": 10, "minute": 41}
